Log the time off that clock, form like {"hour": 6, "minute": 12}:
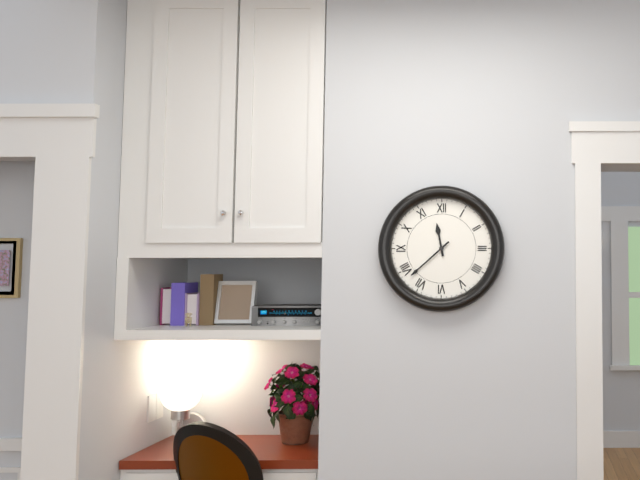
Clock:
{"hour": 11, "minute": 38}
